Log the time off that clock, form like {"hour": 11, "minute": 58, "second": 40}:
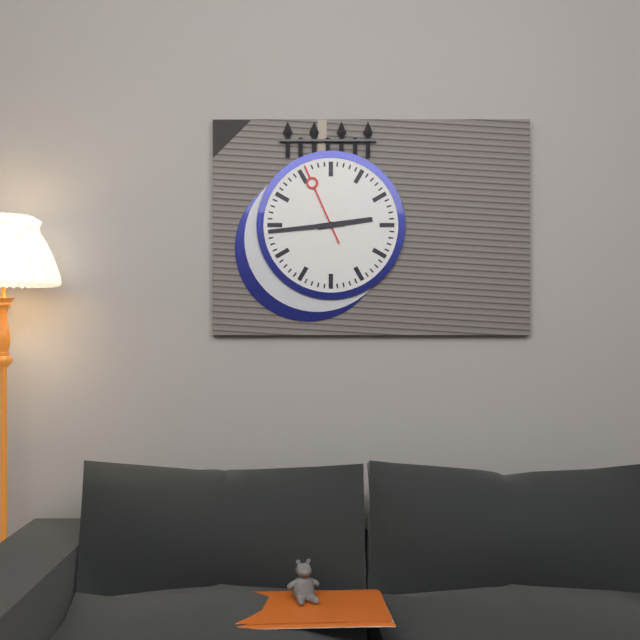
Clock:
{"hour": 2, "minute": 44, "second": 56}
